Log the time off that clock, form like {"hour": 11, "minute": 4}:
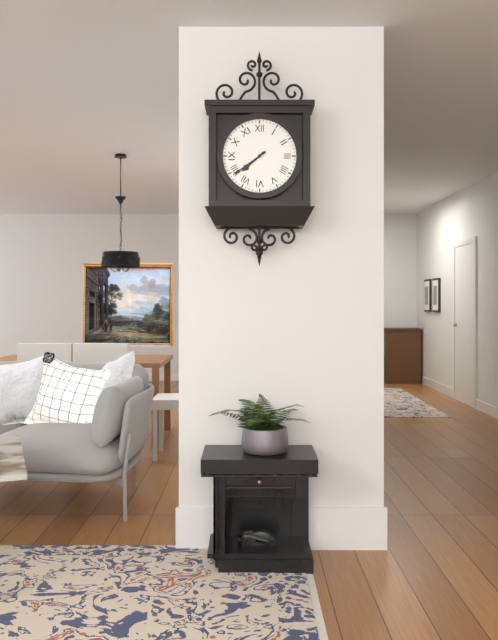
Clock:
{"hour": 7, "minute": 39}
